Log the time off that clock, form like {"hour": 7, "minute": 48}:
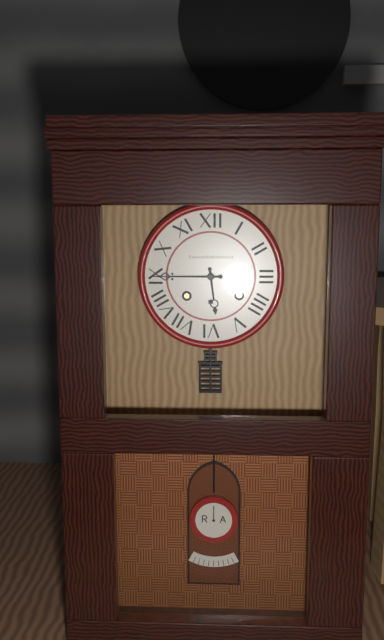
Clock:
{"hour": 5, "minute": 45}
